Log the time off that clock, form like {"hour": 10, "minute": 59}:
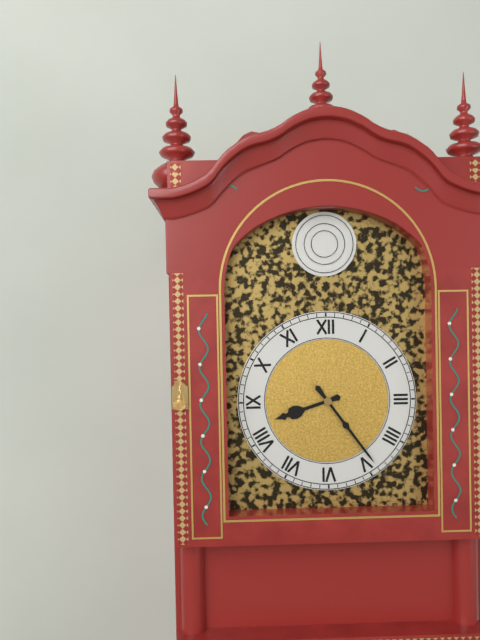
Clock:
{"hour": 8, "minute": 24}
